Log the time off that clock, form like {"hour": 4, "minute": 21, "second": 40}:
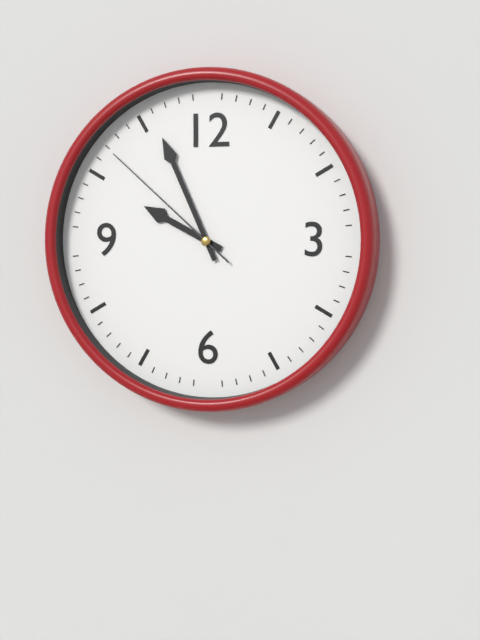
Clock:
{"hour": 9, "minute": 56, "second": 52}
